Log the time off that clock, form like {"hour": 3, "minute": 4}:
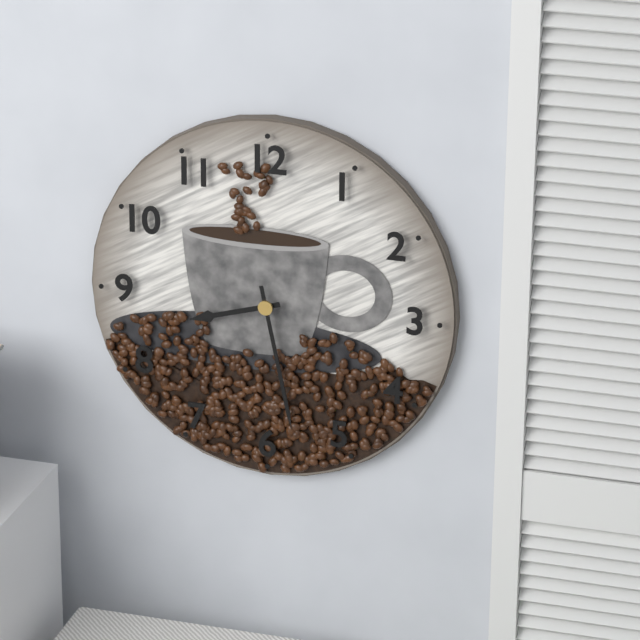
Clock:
{"hour": 8, "minute": 28}
